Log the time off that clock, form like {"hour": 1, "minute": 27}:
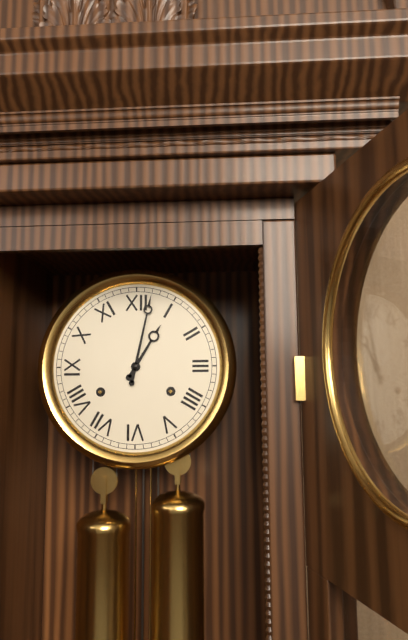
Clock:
{"hour": 1, "minute": 2}
